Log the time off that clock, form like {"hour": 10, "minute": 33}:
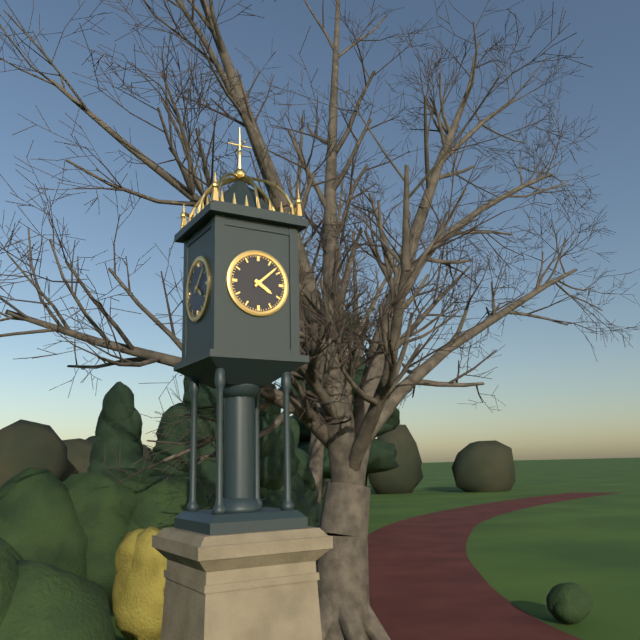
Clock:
{"hour": 4, "minute": 8}
